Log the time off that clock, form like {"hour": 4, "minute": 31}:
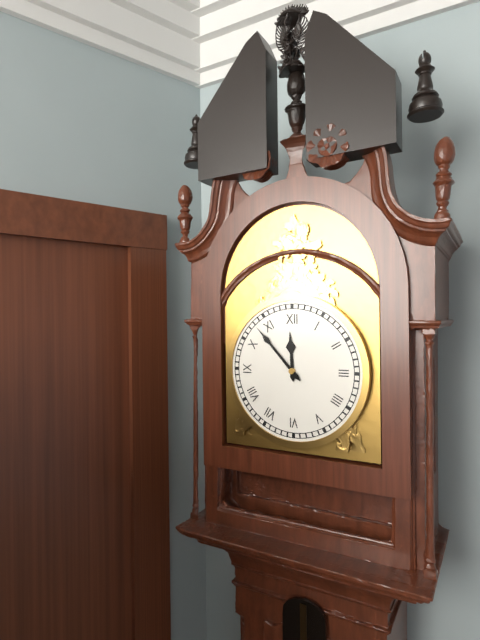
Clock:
{"hour": 11, "minute": 53}
